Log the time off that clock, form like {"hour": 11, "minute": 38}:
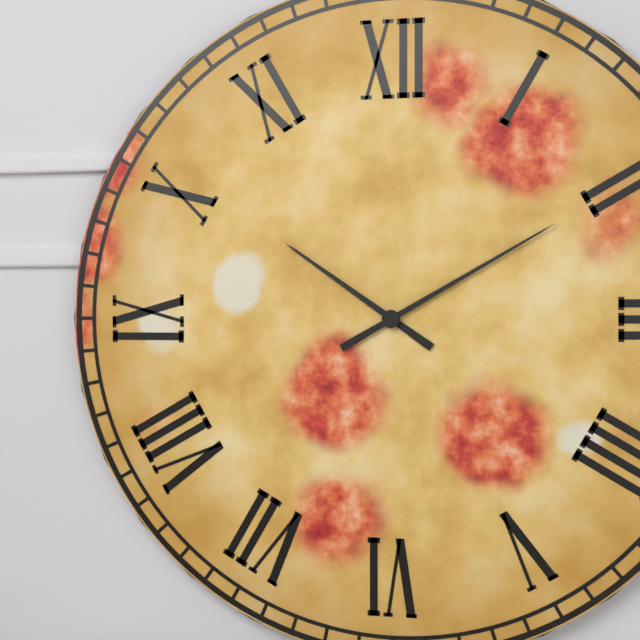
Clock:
{"hour": 10, "minute": 10}
